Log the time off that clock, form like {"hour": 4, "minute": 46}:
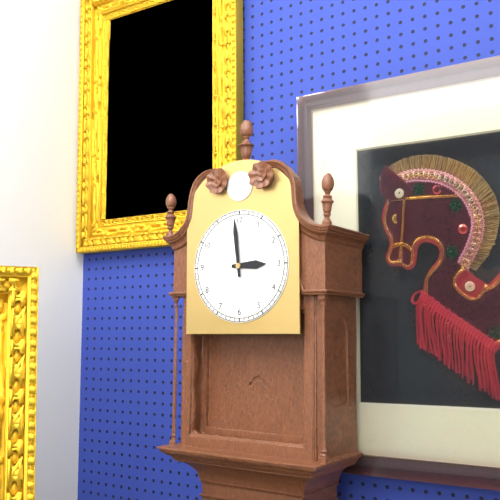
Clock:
{"hour": 2, "minute": 59}
